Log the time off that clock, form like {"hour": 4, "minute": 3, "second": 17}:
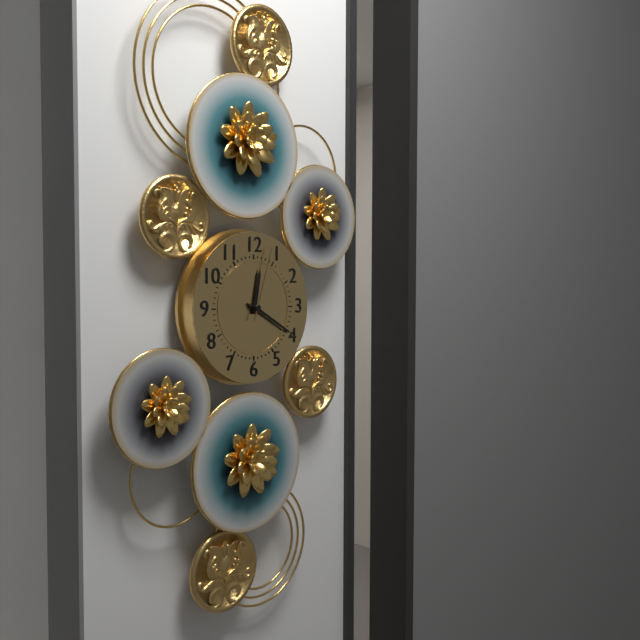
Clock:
{"hour": 12, "minute": 20, "second": 3}
